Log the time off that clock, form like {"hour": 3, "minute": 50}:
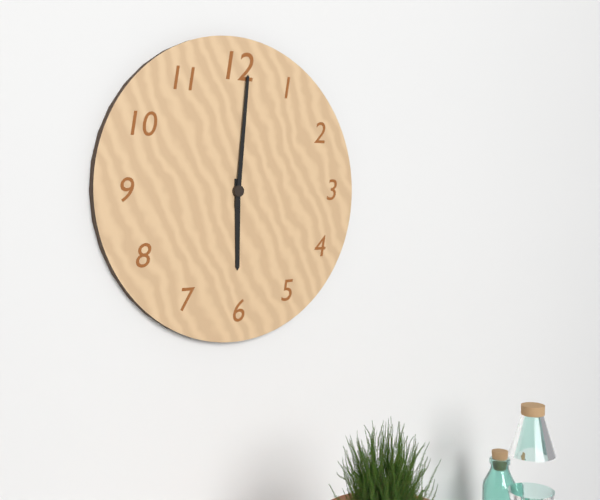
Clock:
{"hour": 6, "minute": 1}
